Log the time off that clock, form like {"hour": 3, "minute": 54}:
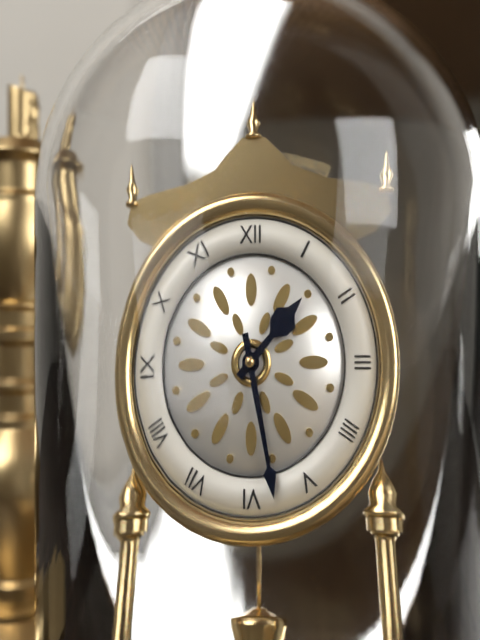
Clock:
{"hour": 1, "minute": 28}
